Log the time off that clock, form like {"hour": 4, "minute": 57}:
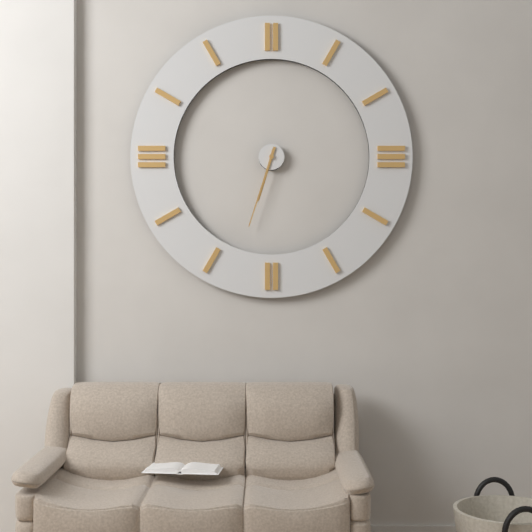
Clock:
{"hour": 6, "minute": 33}
